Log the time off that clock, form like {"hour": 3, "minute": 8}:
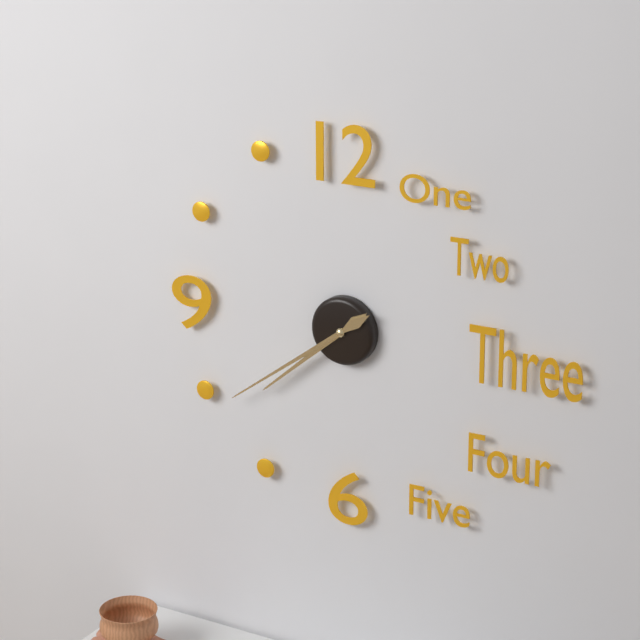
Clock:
{"hour": 7, "minute": 39}
